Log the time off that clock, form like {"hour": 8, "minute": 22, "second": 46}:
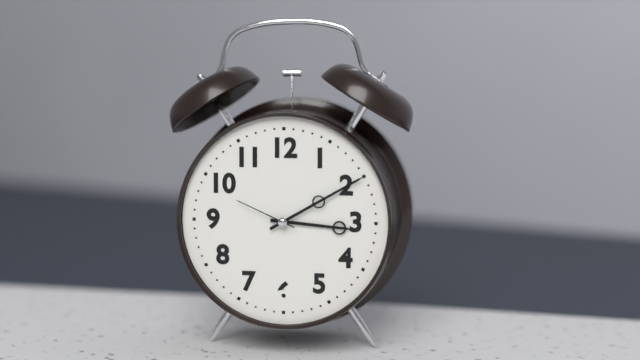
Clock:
{"hour": 3, "minute": 10, "second": 49}
